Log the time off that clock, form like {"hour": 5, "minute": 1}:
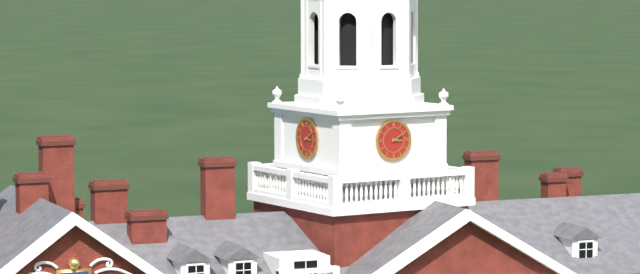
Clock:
{"hour": 3, "minute": 10}
